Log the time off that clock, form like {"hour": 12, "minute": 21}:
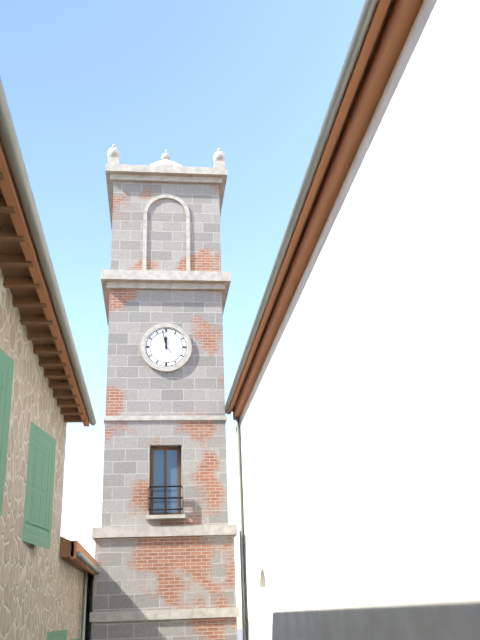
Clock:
{"hour": 11, "minute": 58}
